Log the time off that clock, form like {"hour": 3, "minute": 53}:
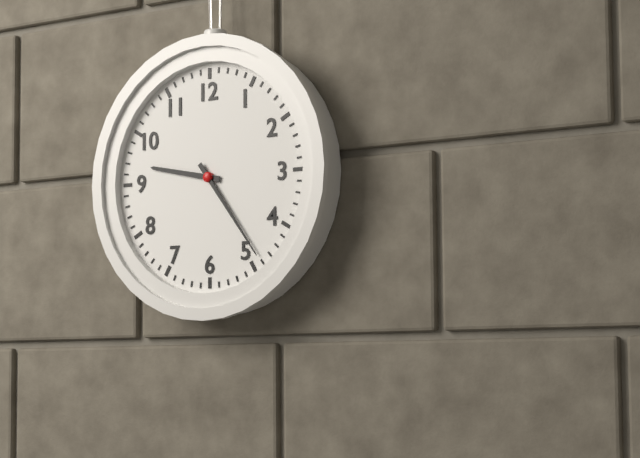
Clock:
{"hour": 9, "minute": 24}
